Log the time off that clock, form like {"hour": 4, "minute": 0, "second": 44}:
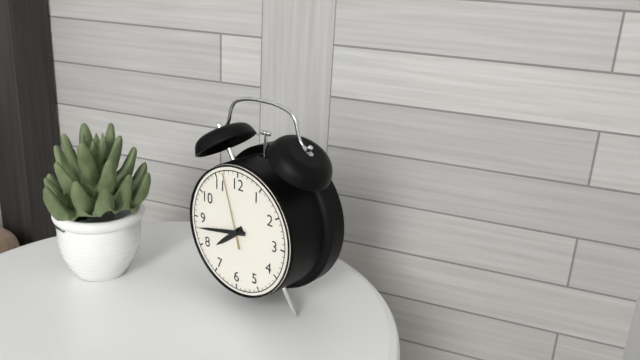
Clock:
{"hour": 7, "minute": 43, "second": 57}
